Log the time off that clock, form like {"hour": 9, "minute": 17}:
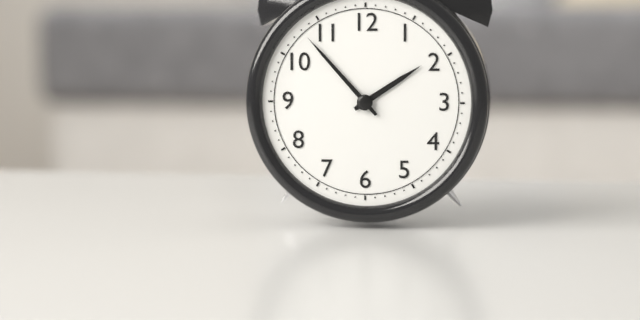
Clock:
{"hour": 1, "minute": 53}
